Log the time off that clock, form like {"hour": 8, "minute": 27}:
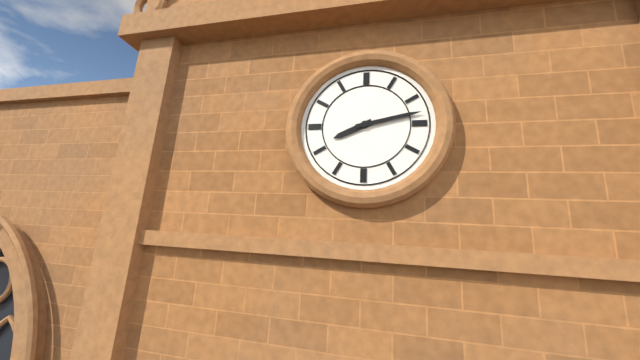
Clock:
{"hour": 8, "minute": 13}
